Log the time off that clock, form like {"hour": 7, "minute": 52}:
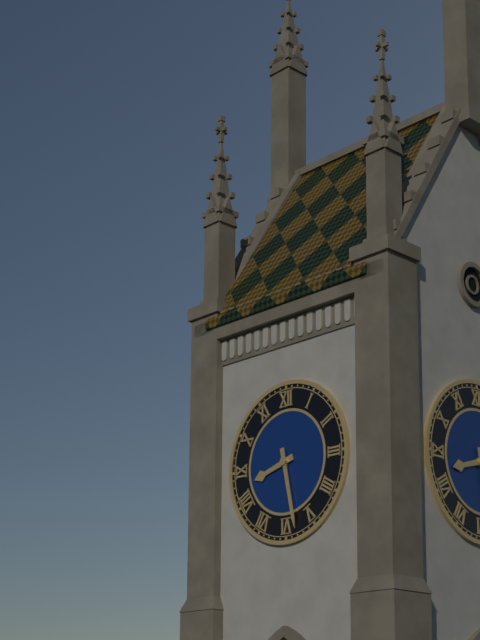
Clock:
{"hour": 8, "minute": 28}
